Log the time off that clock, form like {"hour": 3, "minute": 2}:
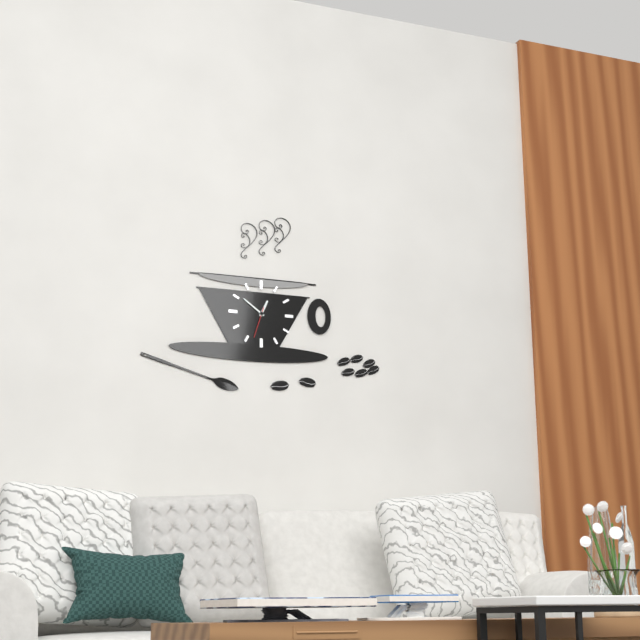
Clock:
{"hour": 12, "minute": 51}
